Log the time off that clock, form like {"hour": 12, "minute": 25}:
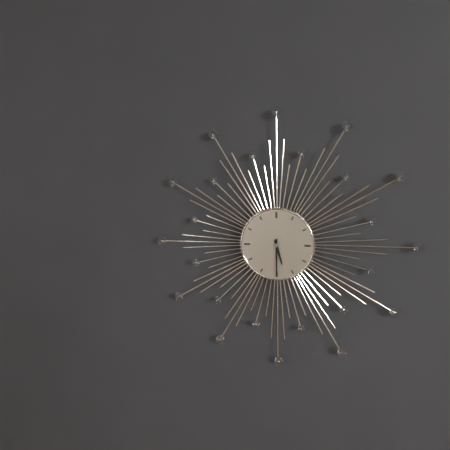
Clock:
{"hour": 5, "minute": 30}
